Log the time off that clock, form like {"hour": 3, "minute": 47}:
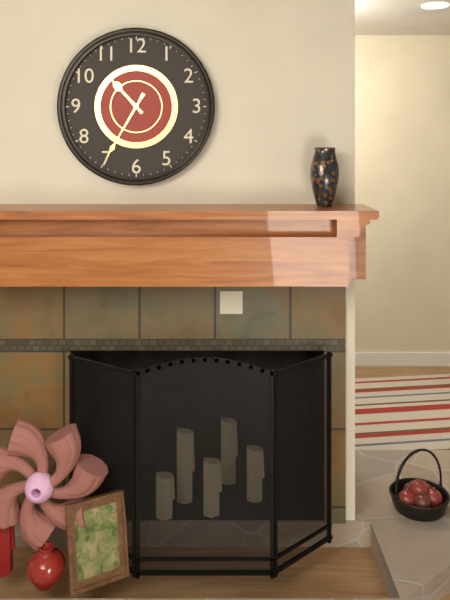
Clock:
{"hour": 10, "minute": 35}
